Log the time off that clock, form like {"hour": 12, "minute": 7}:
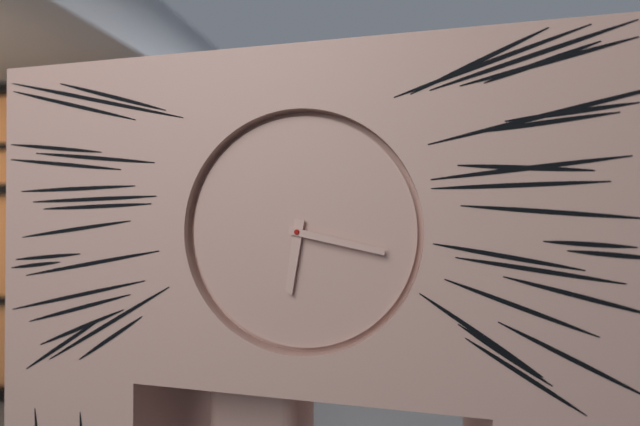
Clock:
{"hour": 6, "minute": 17}
